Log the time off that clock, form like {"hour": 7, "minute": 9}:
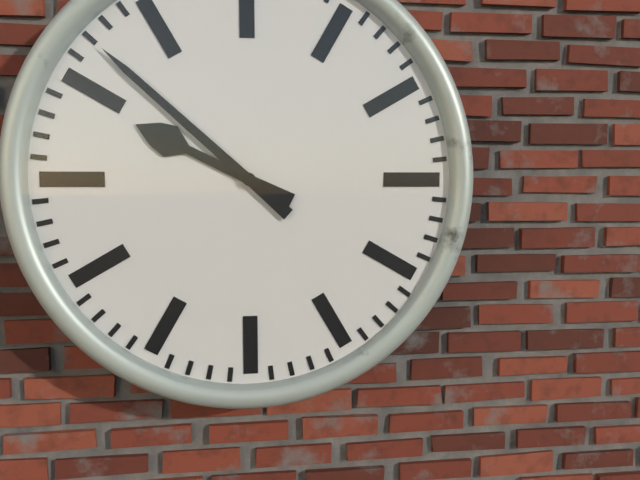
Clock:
{"hour": 9, "minute": 52}
